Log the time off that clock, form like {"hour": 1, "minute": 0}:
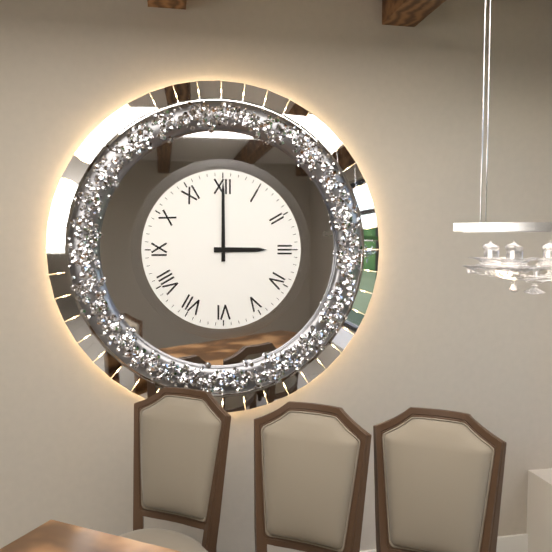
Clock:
{"hour": 3, "minute": 0}
